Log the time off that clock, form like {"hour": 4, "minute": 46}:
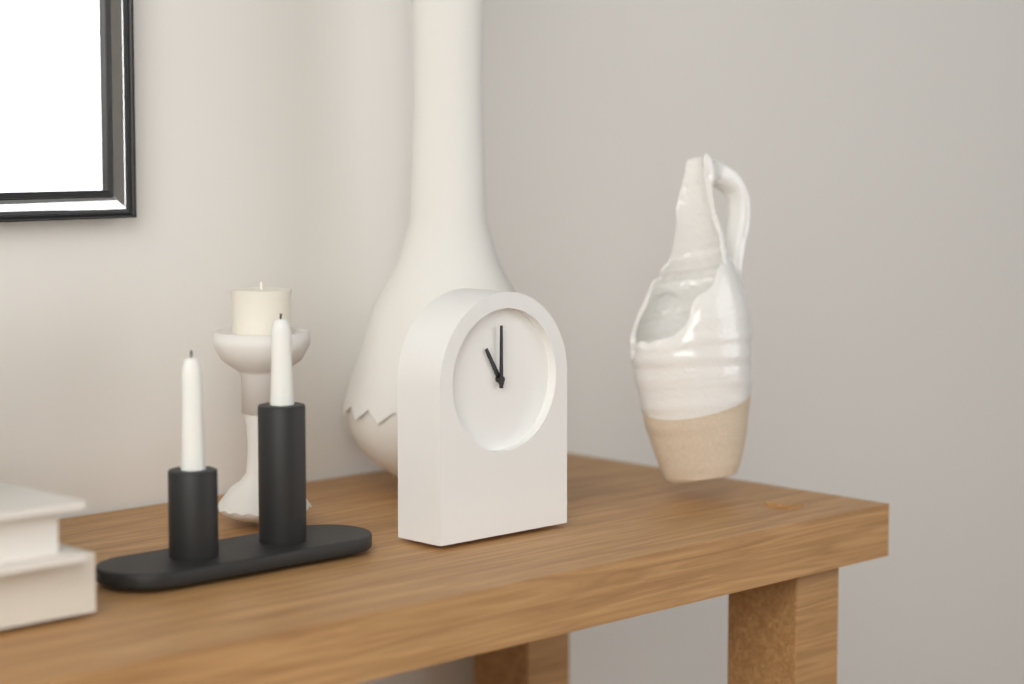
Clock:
{"hour": 11, "minute": 0}
